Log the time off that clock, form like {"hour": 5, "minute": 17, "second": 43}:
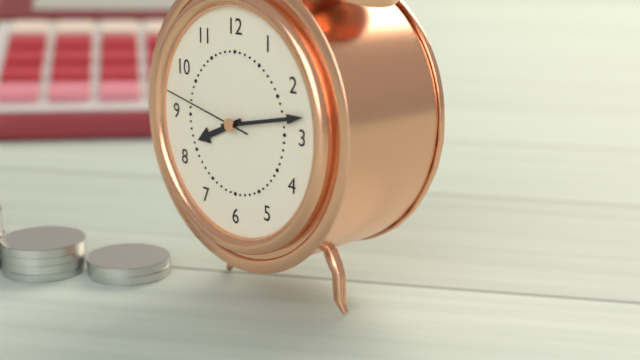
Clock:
{"hour": 8, "minute": 13, "second": 47}
